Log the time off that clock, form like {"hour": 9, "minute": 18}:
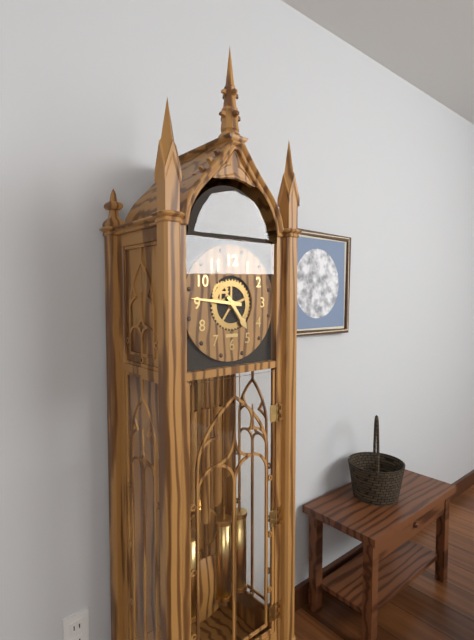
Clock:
{"hour": 4, "minute": 46}
